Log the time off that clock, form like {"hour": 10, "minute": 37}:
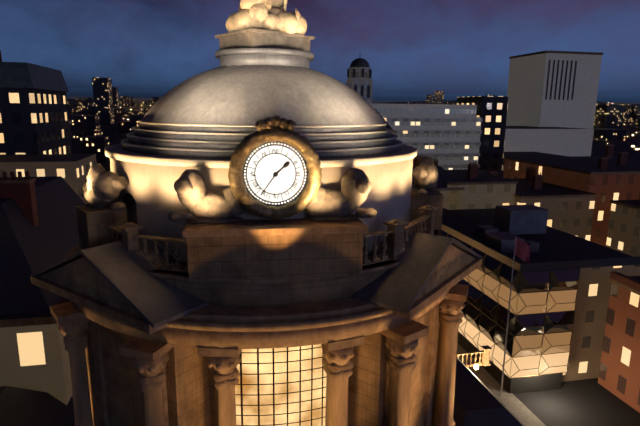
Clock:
{"hour": 1, "minute": 36}
